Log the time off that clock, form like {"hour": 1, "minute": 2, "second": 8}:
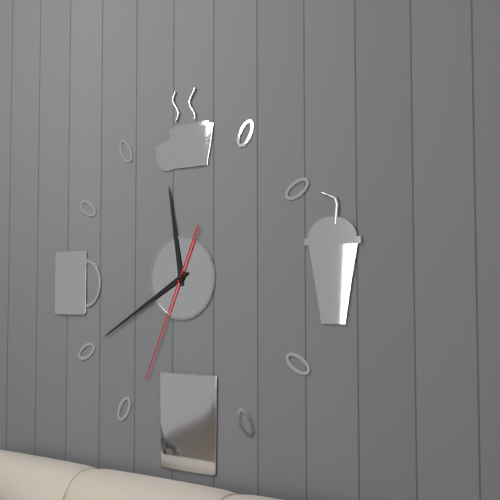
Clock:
{"hour": 11, "minute": 40, "second": 34}
